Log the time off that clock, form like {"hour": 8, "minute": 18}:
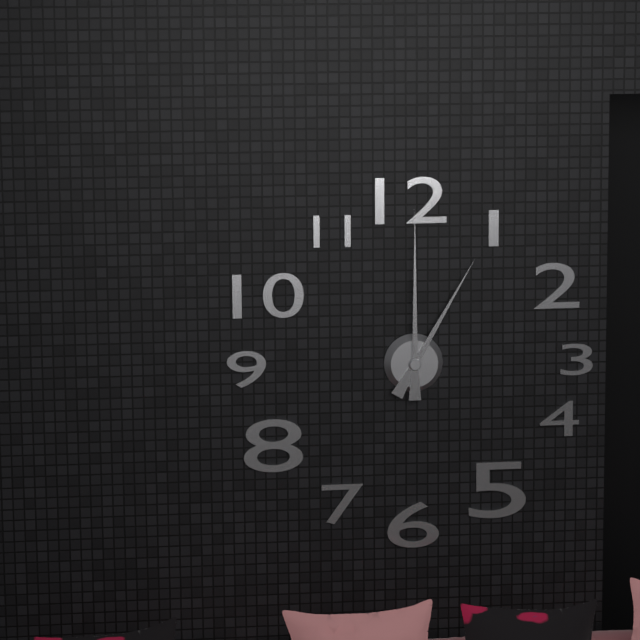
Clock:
{"hour": 1, "minute": 0}
